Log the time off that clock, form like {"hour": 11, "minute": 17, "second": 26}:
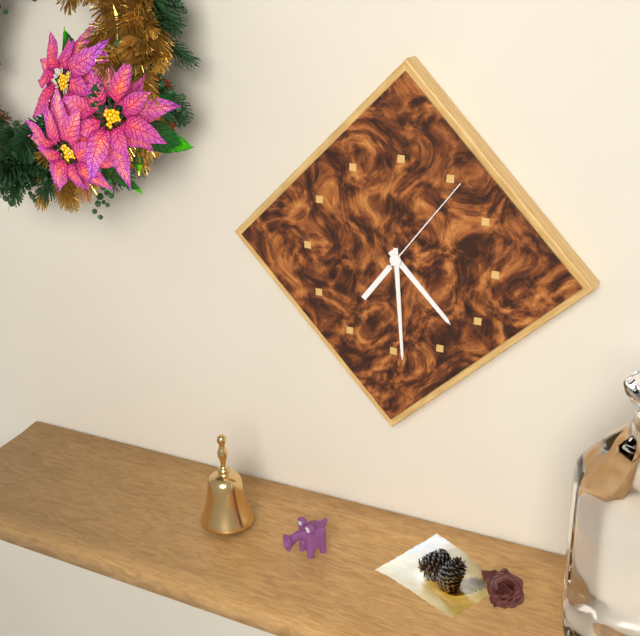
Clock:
{"hour": 4, "minute": 29, "second": 6}
